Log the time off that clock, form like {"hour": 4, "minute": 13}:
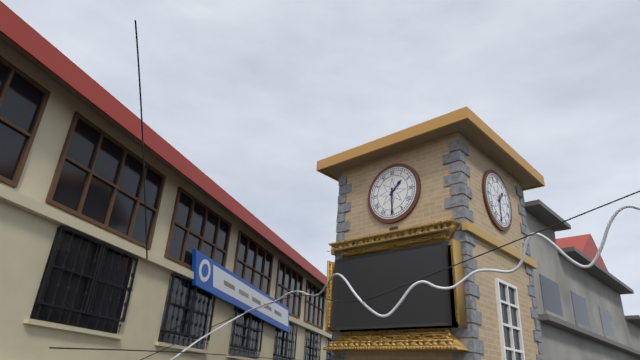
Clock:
{"hour": 1, "minute": 30}
